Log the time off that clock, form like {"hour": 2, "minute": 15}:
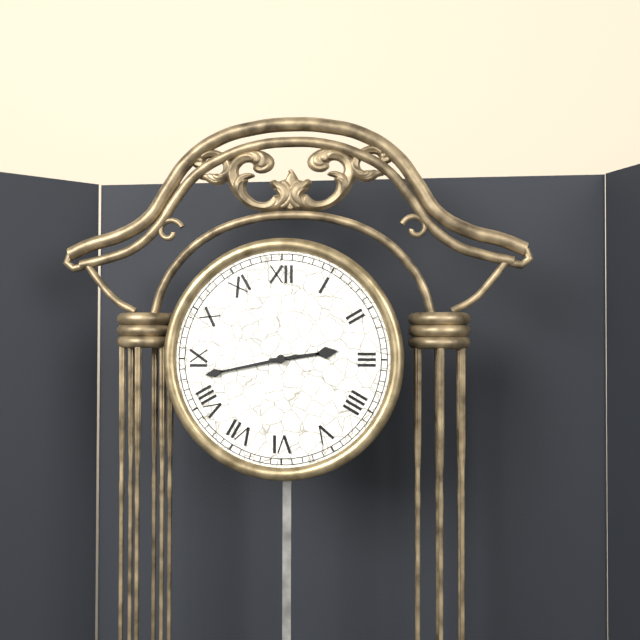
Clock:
{"hour": 2, "minute": 43}
